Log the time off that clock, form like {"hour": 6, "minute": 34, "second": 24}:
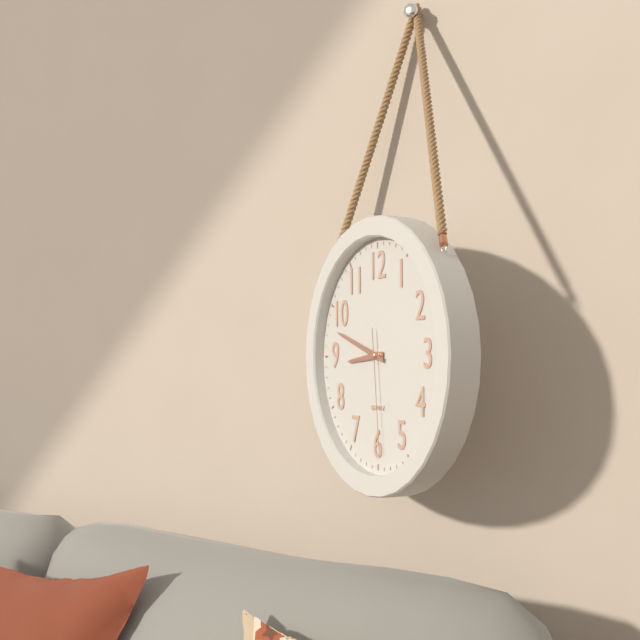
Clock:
{"hour": 8, "minute": 48, "second": 29}
